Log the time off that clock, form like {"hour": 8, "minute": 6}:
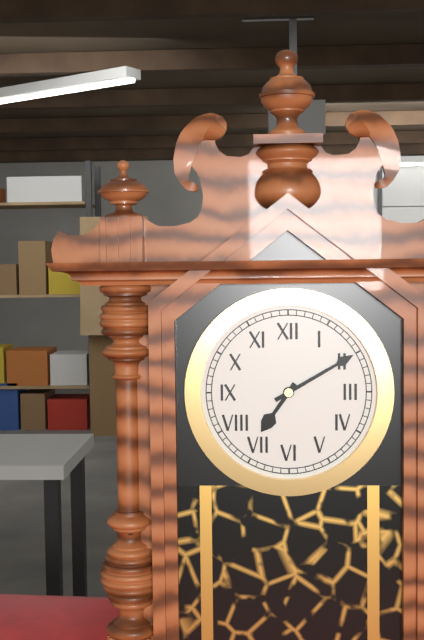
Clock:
{"hour": 7, "minute": 10}
